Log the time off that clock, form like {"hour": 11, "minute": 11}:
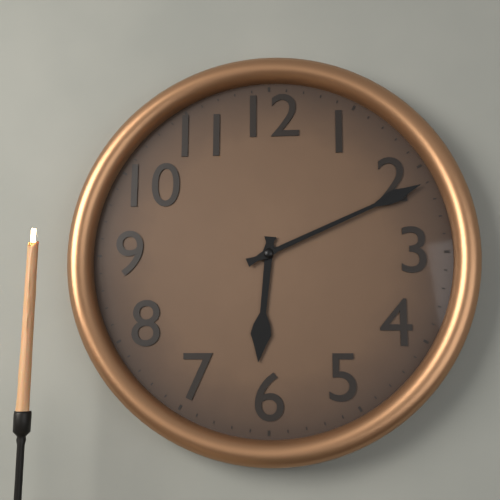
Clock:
{"hour": 6, "minute": 11}
